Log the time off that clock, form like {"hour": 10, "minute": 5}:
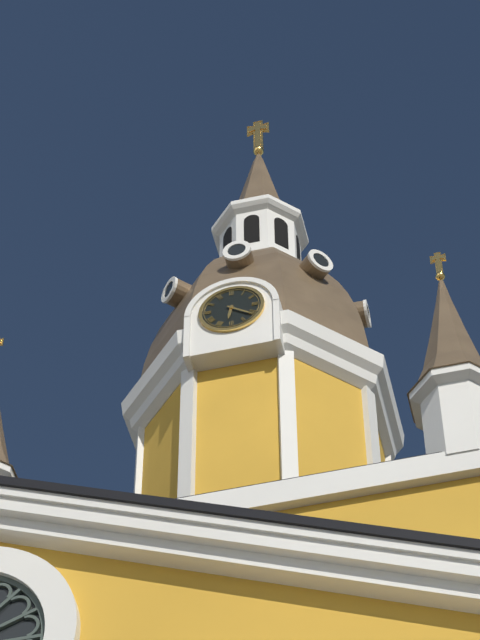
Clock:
{"hour": 6, "minute": 21}
